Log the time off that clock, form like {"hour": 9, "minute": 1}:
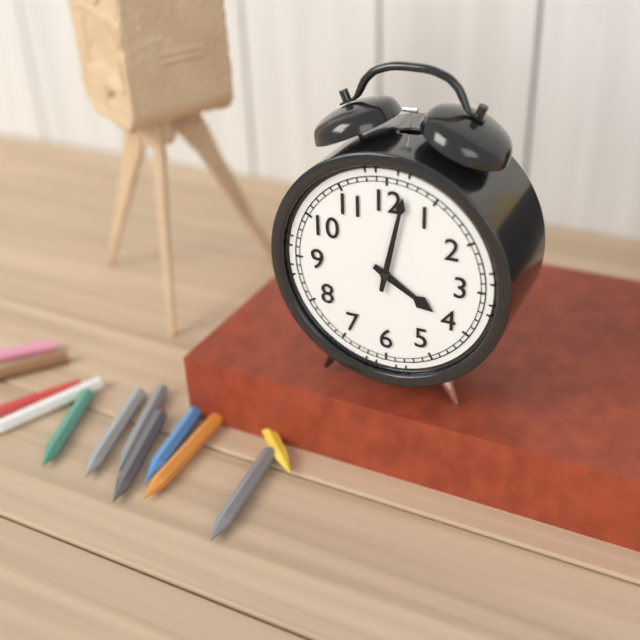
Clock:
{"hour": 4, "minute": 2}
